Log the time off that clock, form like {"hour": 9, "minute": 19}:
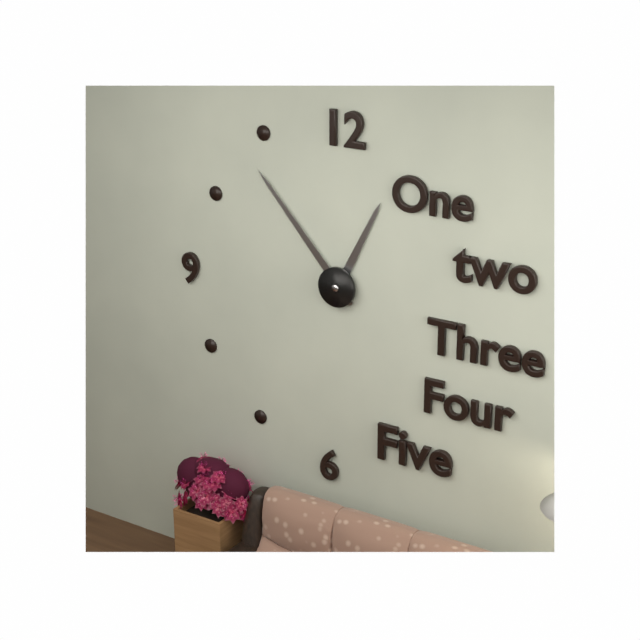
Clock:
{"hour": 12, "minute": 53}
